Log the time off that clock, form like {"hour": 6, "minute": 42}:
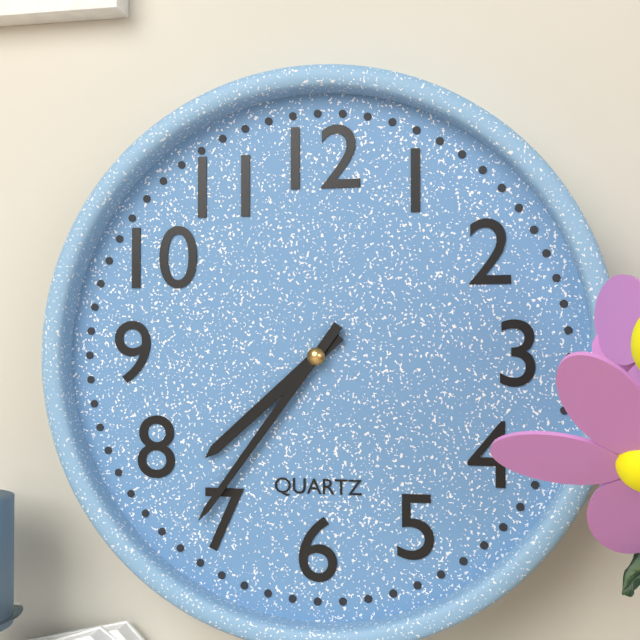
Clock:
{"hour": 7, "minute": 36}
